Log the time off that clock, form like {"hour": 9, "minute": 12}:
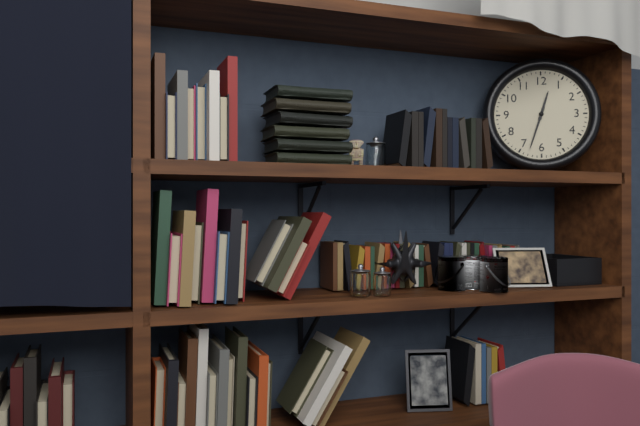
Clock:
{"hour": 12, "minute": 33}
